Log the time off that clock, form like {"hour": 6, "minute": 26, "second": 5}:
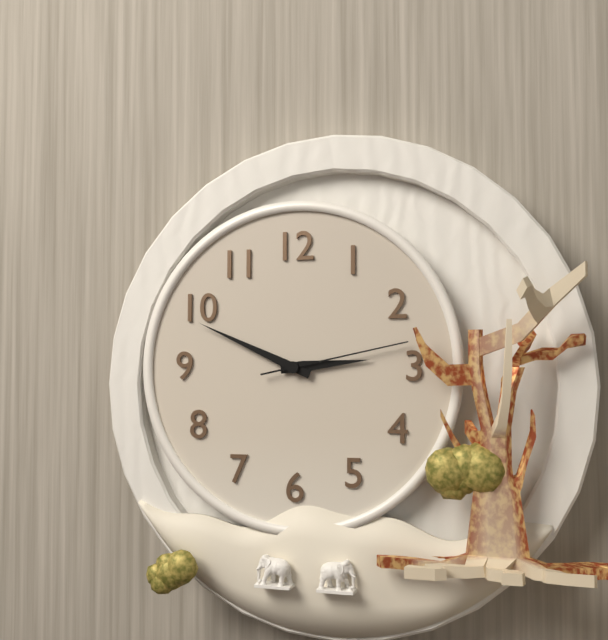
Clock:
{"hour": 2, "minute": 49, "second": 13}
